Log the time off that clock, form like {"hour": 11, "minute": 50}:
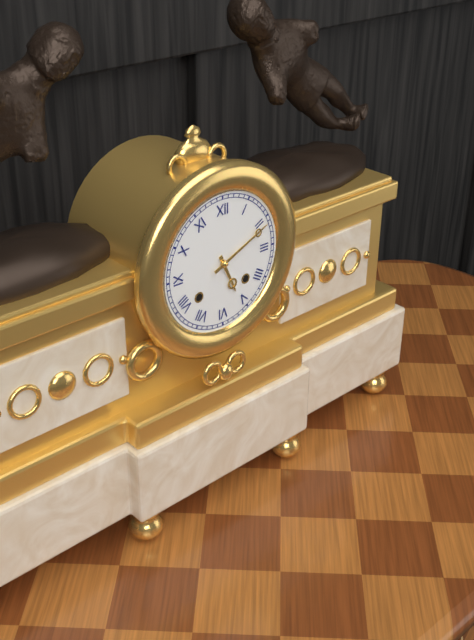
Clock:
{"hour": 5, "minute": 11}
